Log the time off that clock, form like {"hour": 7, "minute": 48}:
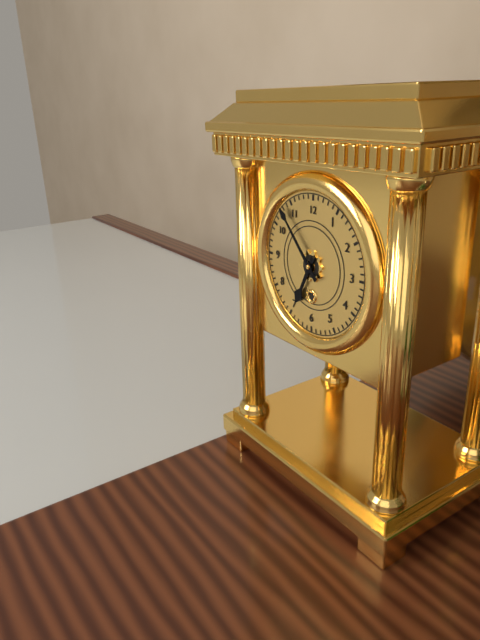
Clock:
{"hour": 6, "minute": 53}
